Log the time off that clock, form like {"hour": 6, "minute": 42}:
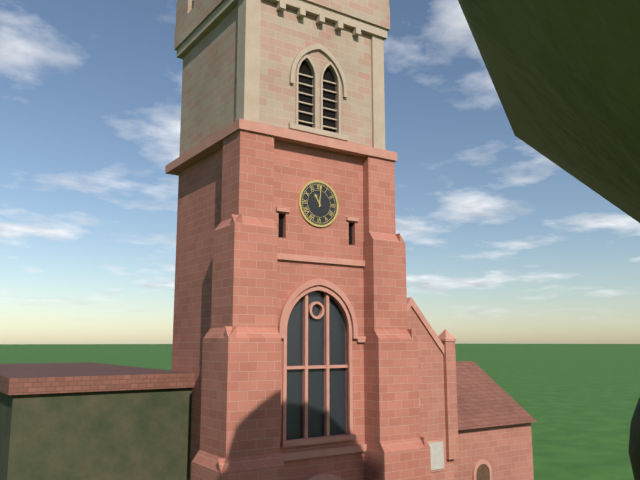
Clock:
{"hour": 11, "minute": 1}
